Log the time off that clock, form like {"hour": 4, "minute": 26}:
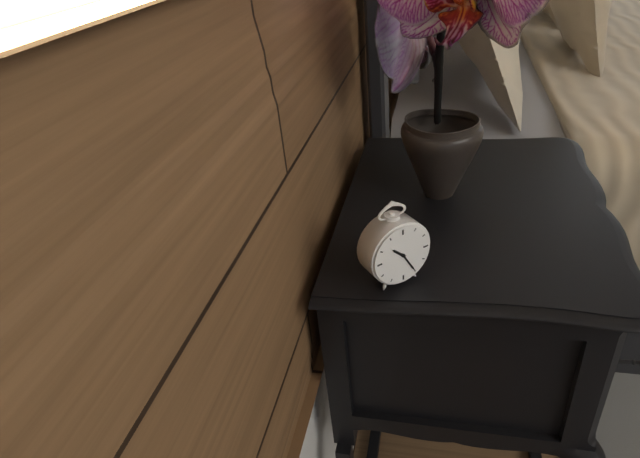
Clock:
{"hour": 10, "minute": 25}
